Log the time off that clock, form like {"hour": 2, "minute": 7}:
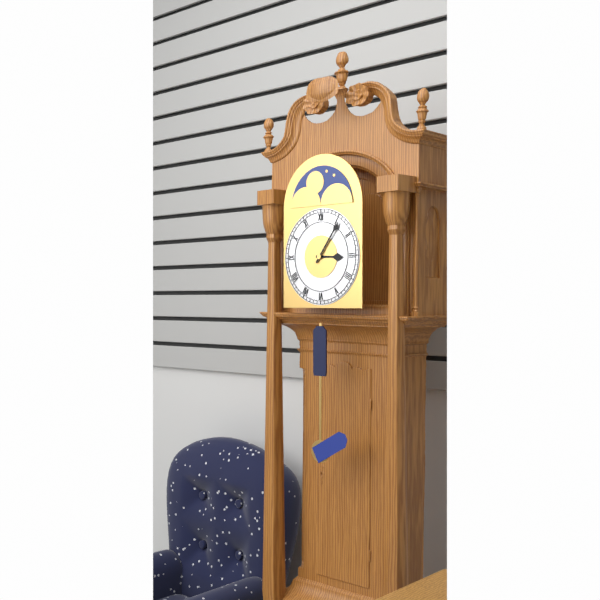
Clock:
{"hour": 3, "minute": 6}
